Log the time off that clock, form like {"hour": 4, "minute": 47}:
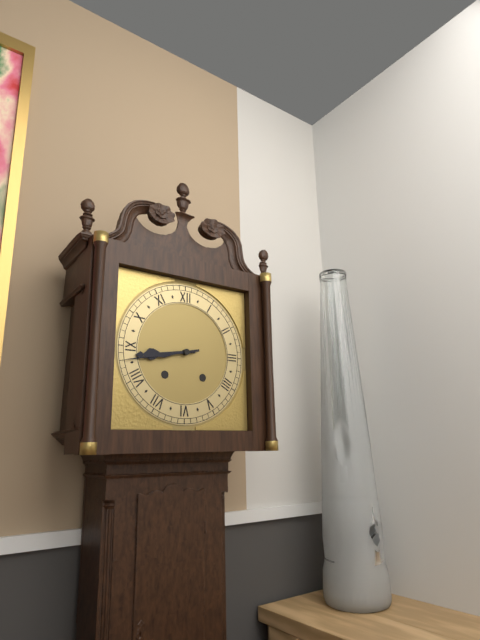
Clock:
{"hour": 8, "minute": 43}
